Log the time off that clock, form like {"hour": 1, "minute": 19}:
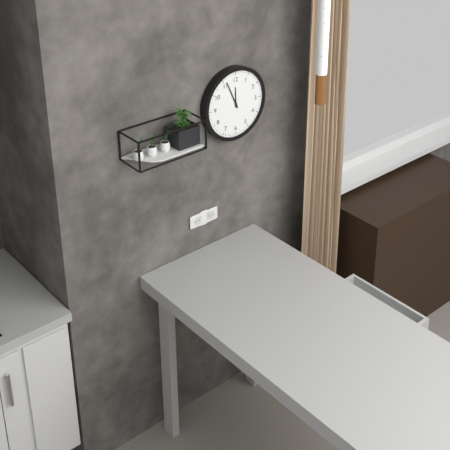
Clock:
{"hour": 11, "minute": 56}
